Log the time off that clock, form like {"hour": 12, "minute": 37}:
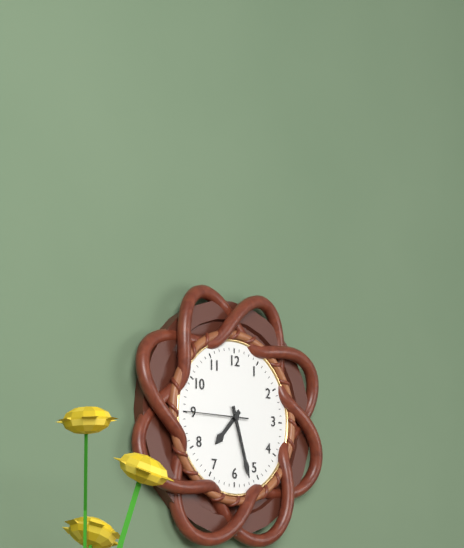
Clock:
{"hour": 7, "minute": 27}
